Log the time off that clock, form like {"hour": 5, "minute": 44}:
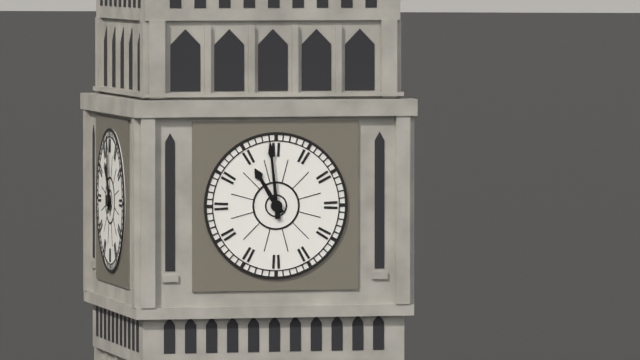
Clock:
{"hour": 10, "minute": 59}
